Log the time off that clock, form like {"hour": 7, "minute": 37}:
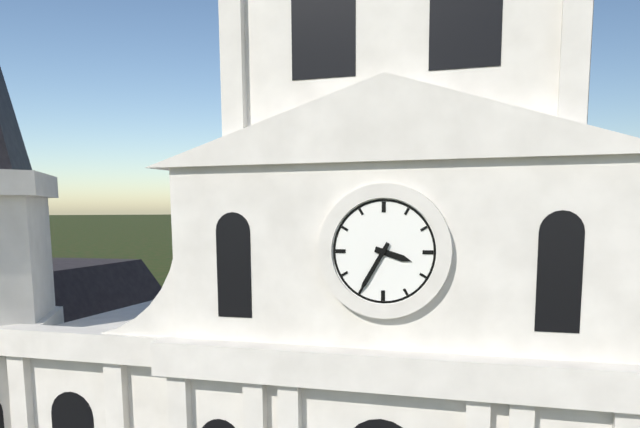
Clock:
{"hour": 3, "minute": 35}
